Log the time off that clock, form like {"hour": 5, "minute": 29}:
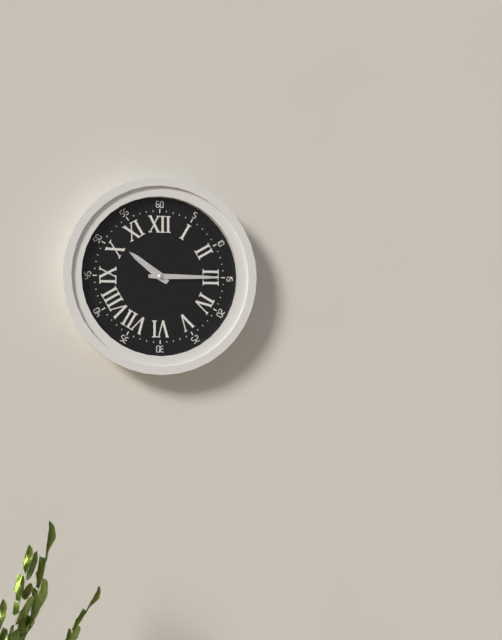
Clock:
{"hour": 10, "minute": 15}
